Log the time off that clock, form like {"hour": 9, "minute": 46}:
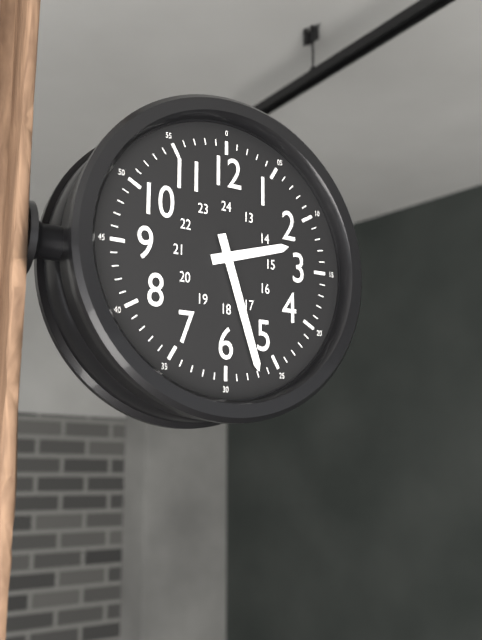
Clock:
{"hour": 2, "minute": 27}
